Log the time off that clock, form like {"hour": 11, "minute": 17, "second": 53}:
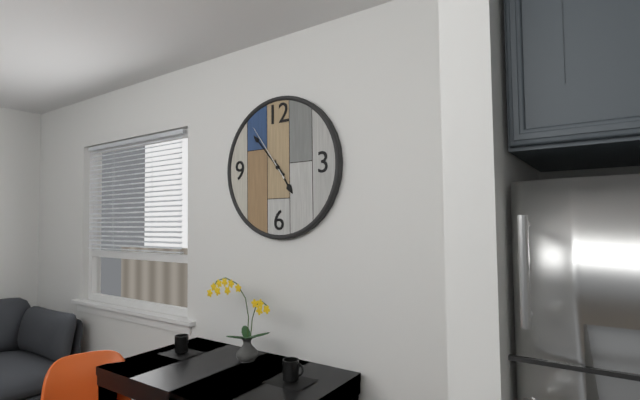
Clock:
{"hour": 4, "minute": 53, "second": 54}
